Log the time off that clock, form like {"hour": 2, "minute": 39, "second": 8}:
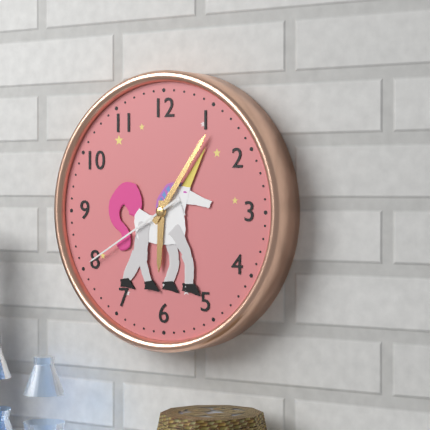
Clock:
{"hour": 6, "minute": 6, "second": 40}
